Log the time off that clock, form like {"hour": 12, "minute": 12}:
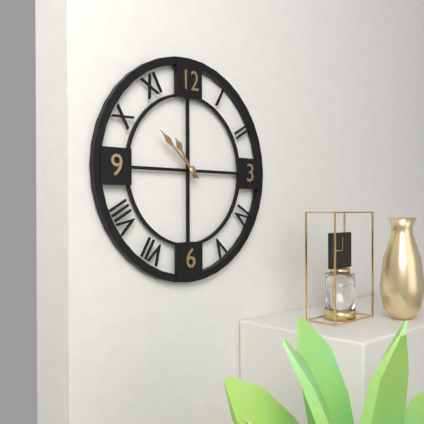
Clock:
{"hour": 10, "minute": 52}
